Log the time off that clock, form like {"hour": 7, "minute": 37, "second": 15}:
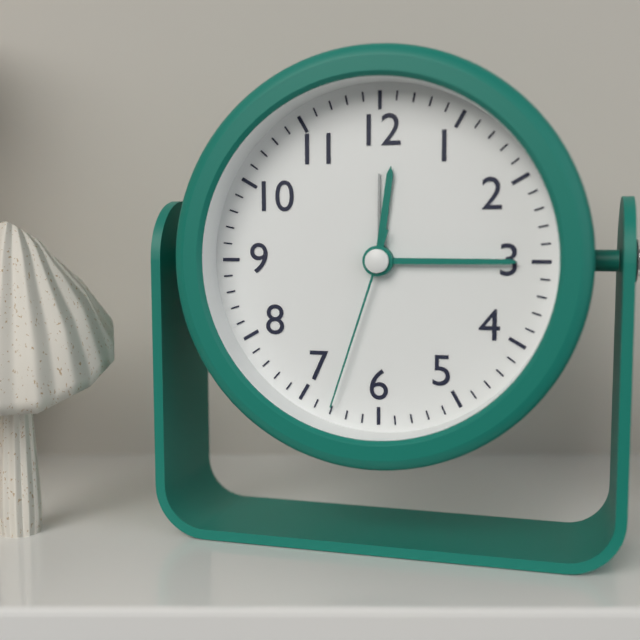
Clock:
{"hour": 12, "minute": 15, "second": 33}
